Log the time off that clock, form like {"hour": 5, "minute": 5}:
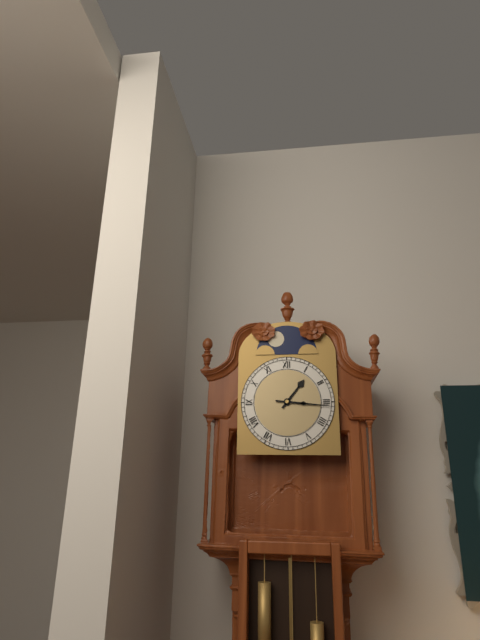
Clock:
{"hour": 1, "minute": 16}
